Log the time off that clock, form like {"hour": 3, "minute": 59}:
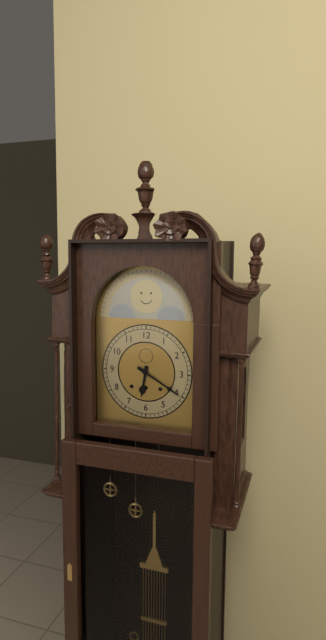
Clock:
{"hour": 6, "minute": 20}
